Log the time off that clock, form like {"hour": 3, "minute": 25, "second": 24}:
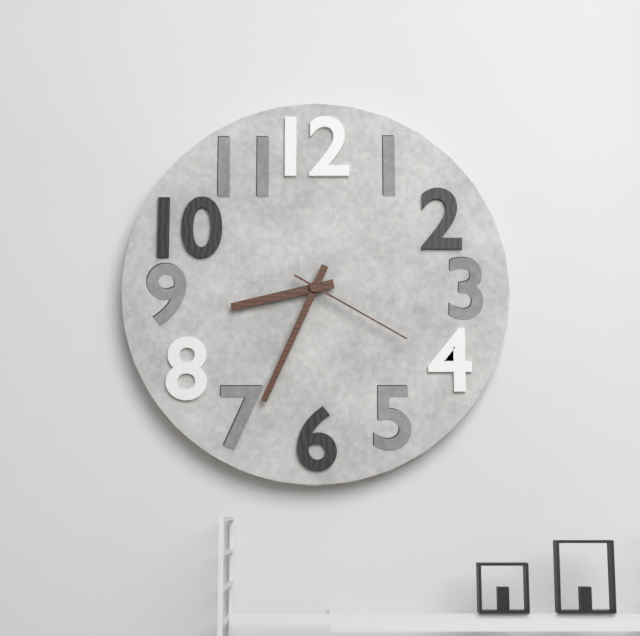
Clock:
{"hour": 8, "minute": 34, "second": 20}
